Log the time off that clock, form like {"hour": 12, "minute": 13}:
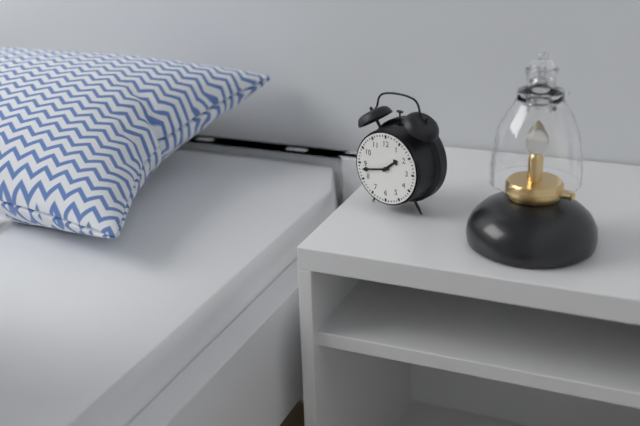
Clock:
{"hour": 1, "minute": 43}
